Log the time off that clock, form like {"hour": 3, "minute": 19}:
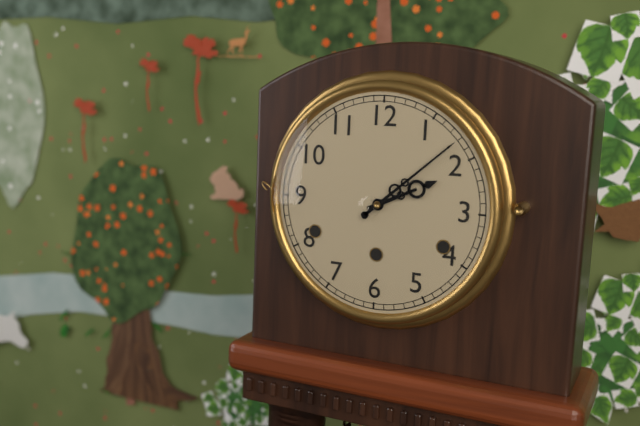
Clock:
{"hour": 2, "minute": 8}
